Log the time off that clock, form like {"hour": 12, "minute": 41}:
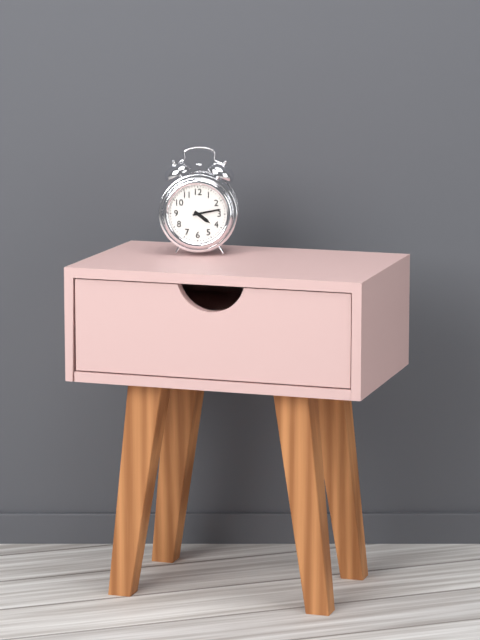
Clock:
{"hour": 4, "minute": 13}
